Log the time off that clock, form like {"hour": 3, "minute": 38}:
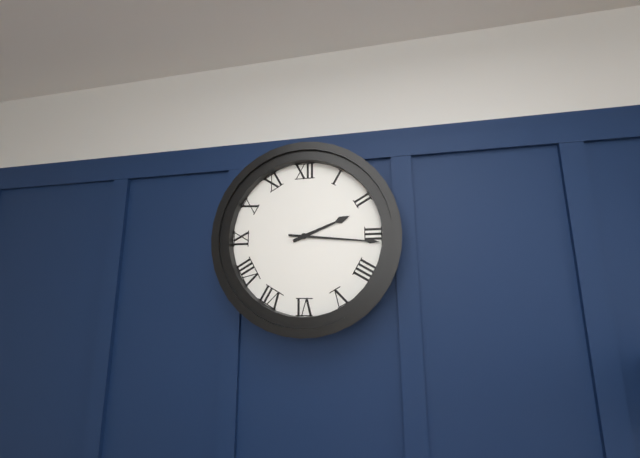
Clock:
{"hour": 2, "minute": 16}
